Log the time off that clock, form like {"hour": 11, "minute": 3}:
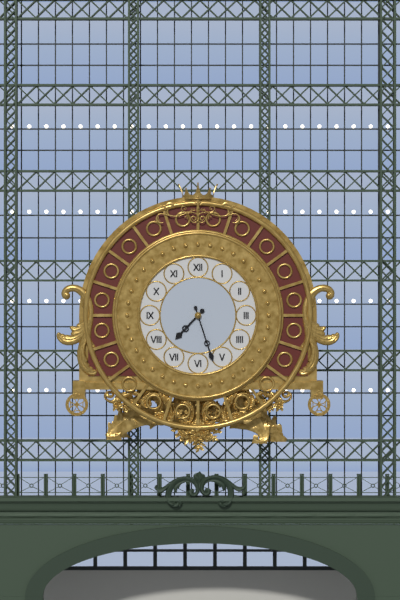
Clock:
{"hour": 7, "minute": 27}
